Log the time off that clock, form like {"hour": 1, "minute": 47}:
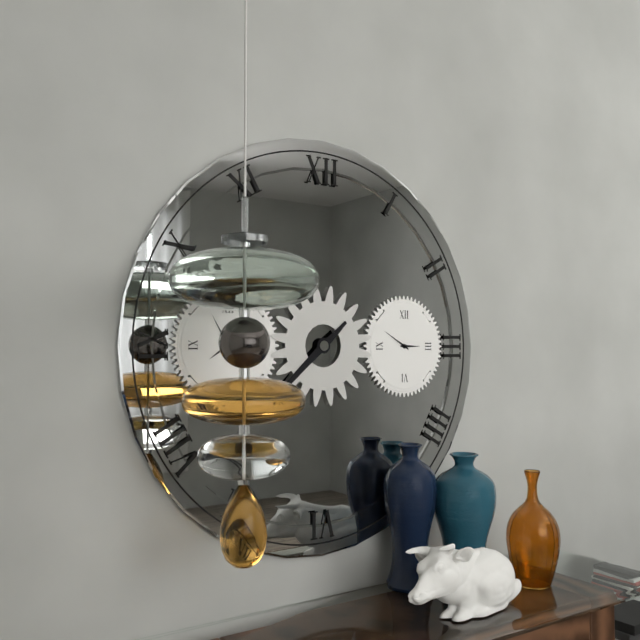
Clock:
{"hour": 7, "minute": 38}
